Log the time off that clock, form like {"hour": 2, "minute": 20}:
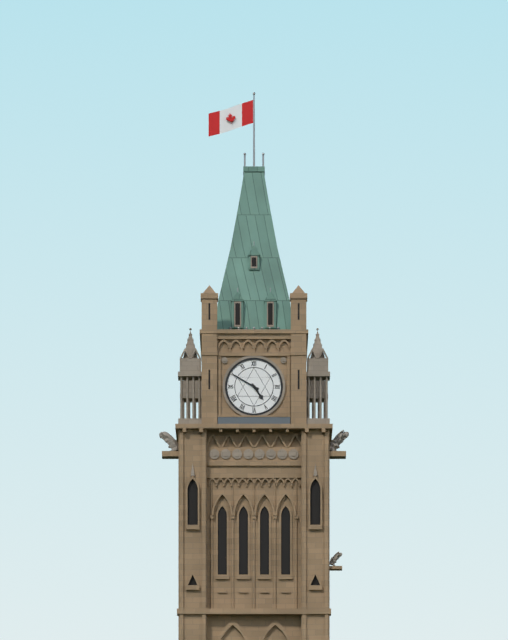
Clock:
{"hour": 4, "minute": 50}
